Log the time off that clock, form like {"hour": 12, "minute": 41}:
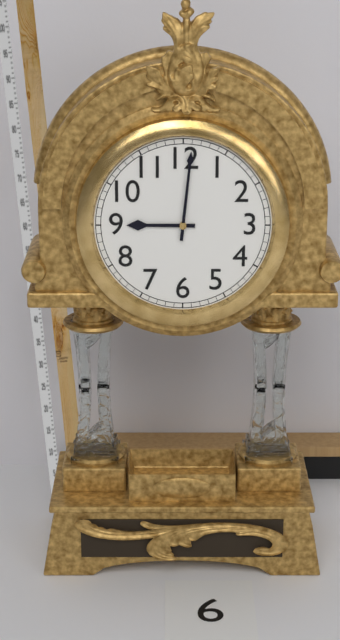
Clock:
{"hour": 9, "minute": 1}
